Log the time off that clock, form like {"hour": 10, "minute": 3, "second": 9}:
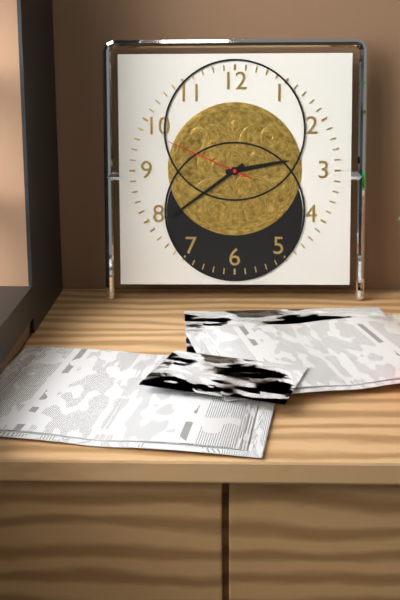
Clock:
{"hour": 2, "minute": 39, "second": 49}
